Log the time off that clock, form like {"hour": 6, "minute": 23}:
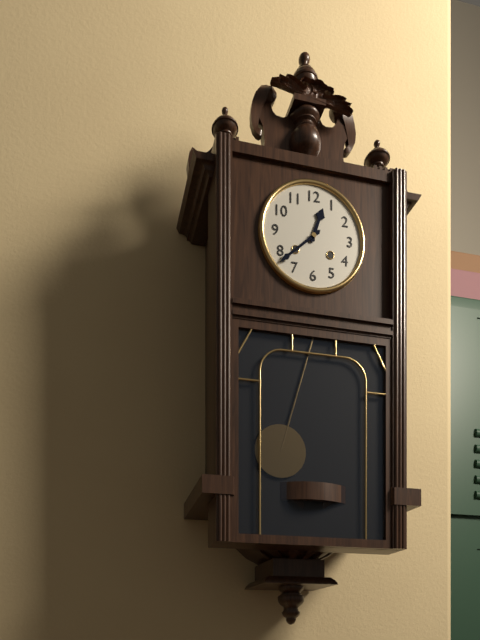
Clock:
{"hour": 12, "minute": 38}
